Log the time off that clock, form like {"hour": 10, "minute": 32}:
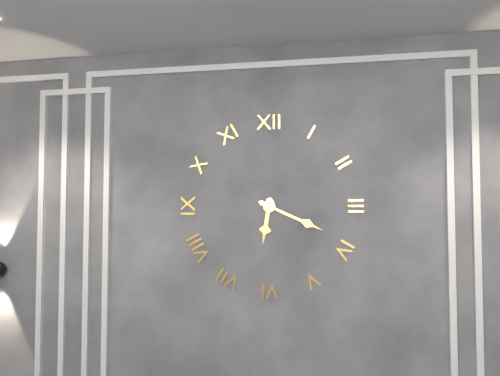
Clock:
{"hour": 6, "minute": 19}
